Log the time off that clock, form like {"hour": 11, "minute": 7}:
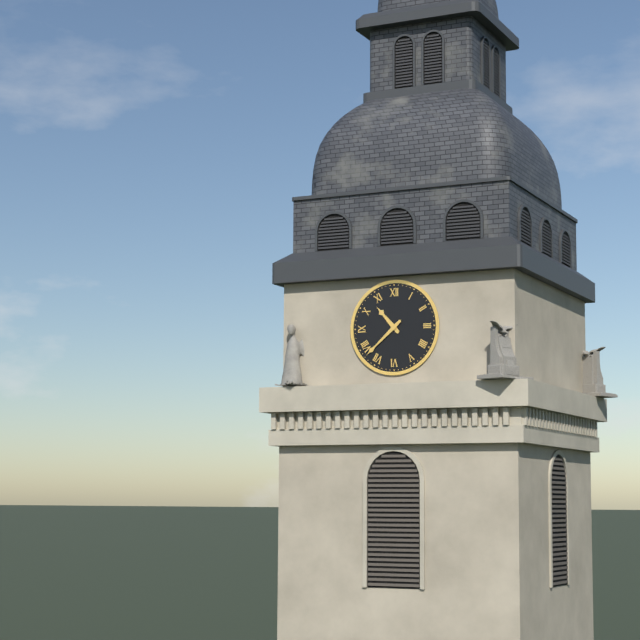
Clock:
{"hour": 10, "minute": 38}
